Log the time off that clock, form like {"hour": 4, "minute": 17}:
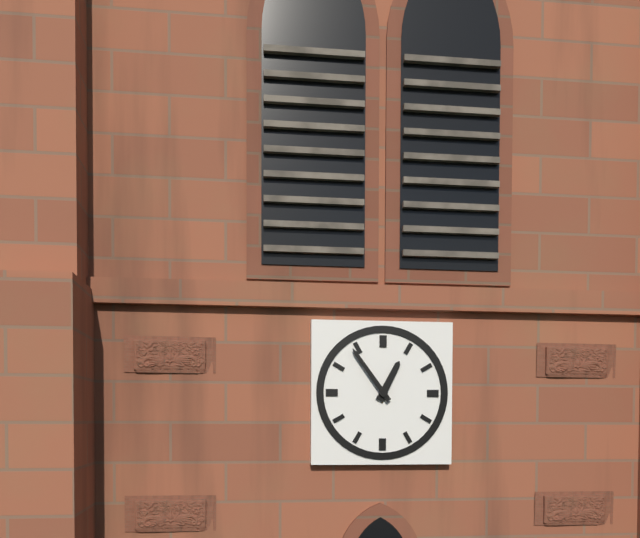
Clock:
{"hour": 12, "minute": 54}
